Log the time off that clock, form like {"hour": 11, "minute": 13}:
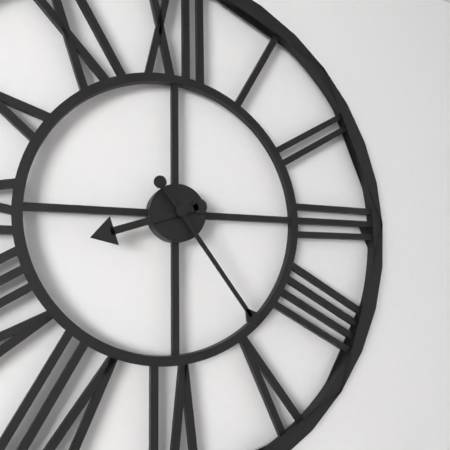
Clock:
{"hour": 8, "minute": 24}
